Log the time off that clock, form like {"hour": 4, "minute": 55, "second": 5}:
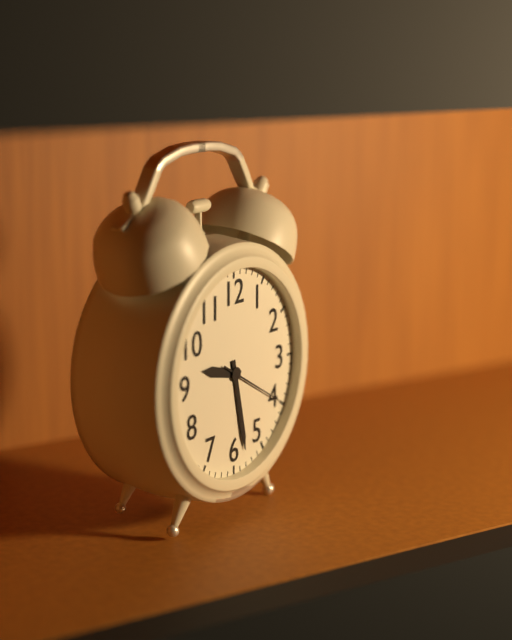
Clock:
{"hour": 9, "minute": 28, "second": 20}
